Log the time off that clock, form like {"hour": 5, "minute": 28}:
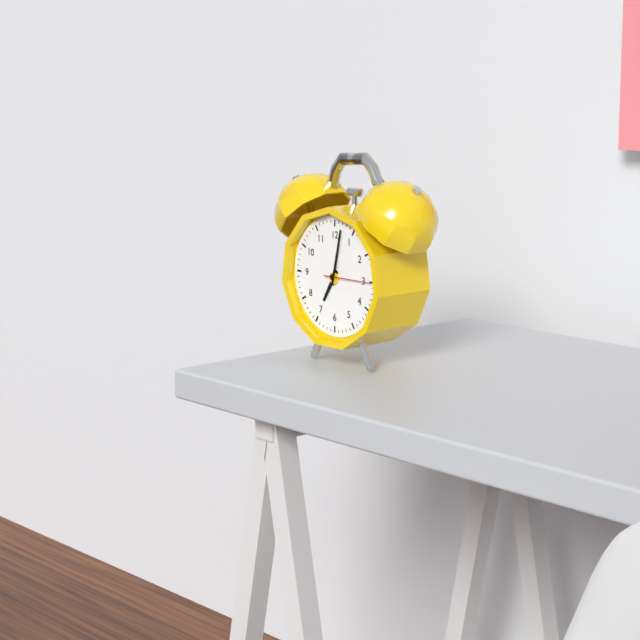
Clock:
{"hour": 7, "minute": 2}
